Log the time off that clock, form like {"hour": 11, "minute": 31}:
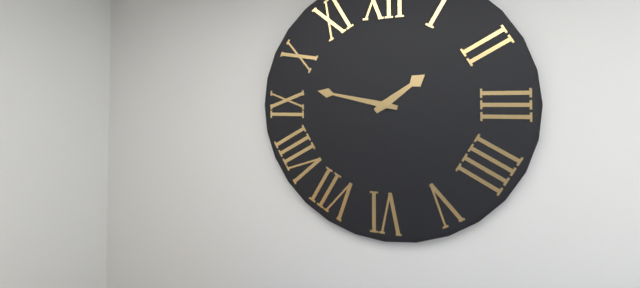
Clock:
{"hour": 1, "minute": 47}
